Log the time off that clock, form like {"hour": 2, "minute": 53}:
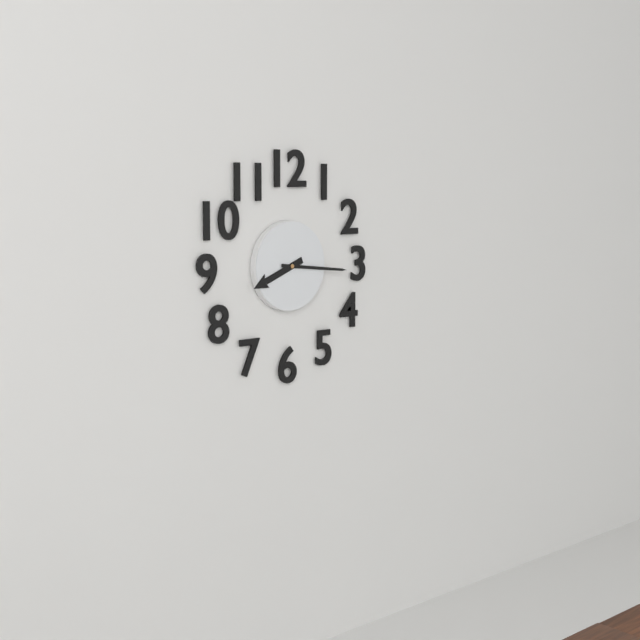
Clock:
{"hour": 8, "minute": 16}
